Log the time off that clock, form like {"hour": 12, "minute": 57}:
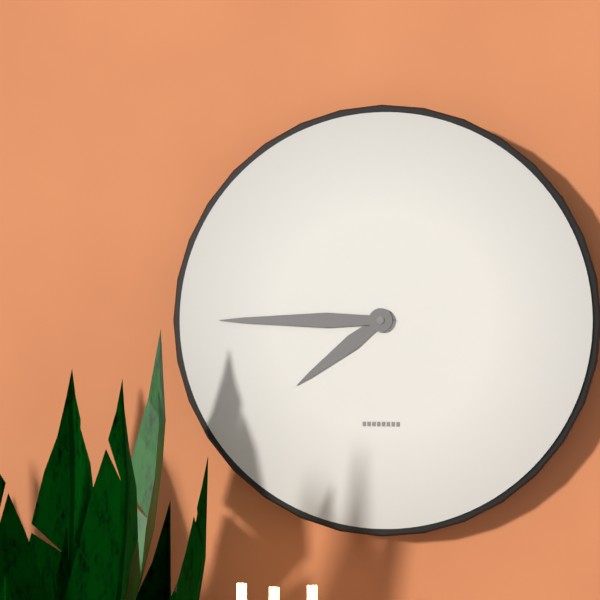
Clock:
{"hour": 7, "minute": 45}
